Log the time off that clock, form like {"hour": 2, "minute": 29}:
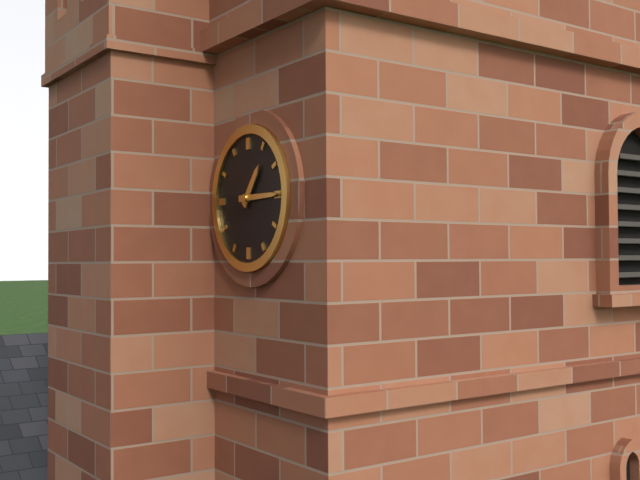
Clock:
{"hour": 1, "minute": 15}
